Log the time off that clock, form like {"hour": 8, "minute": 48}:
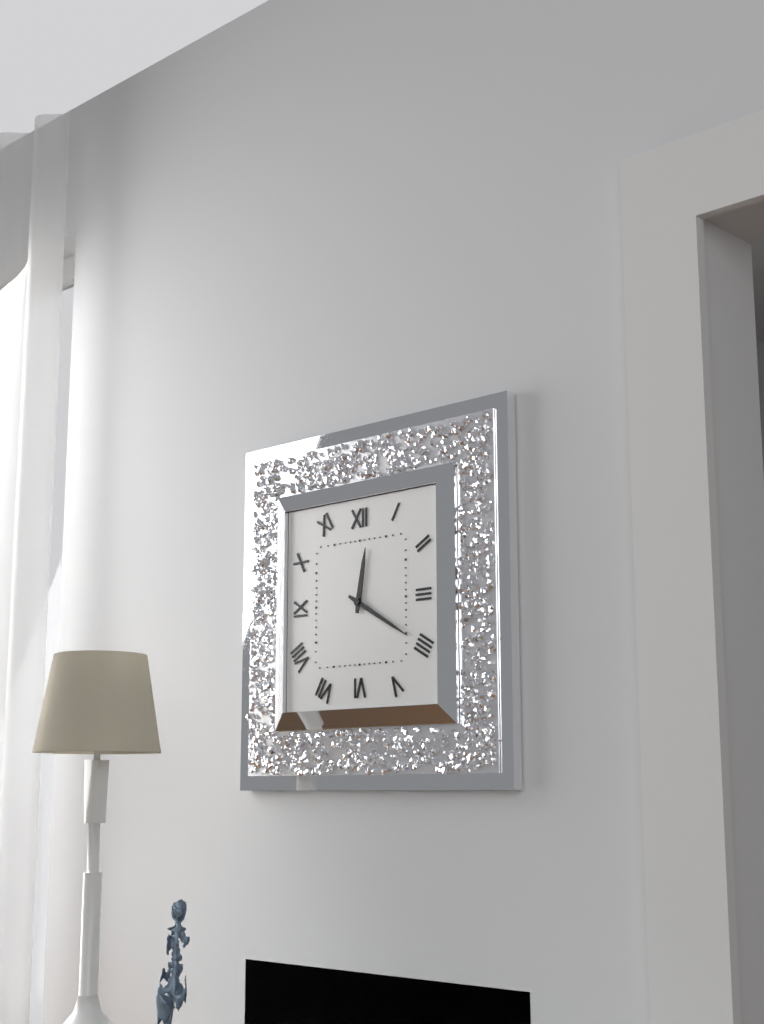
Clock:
{"hour": 12, "minute": 20}
